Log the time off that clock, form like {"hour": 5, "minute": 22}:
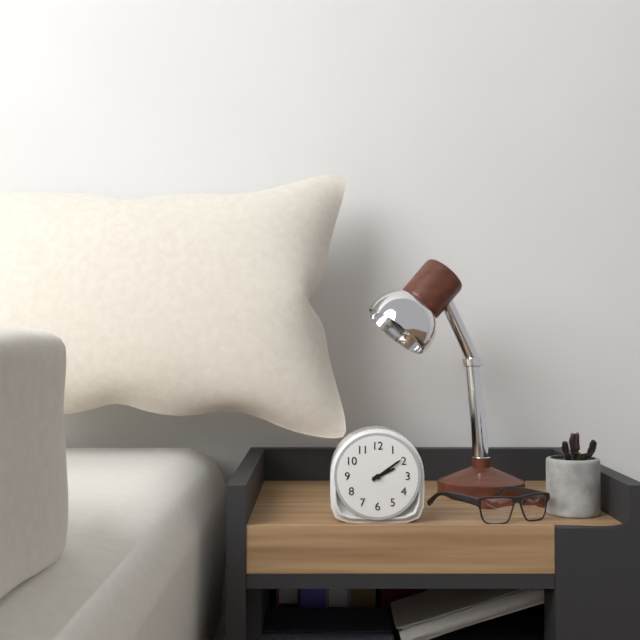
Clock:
{"hour": 2, "minute": 9}
